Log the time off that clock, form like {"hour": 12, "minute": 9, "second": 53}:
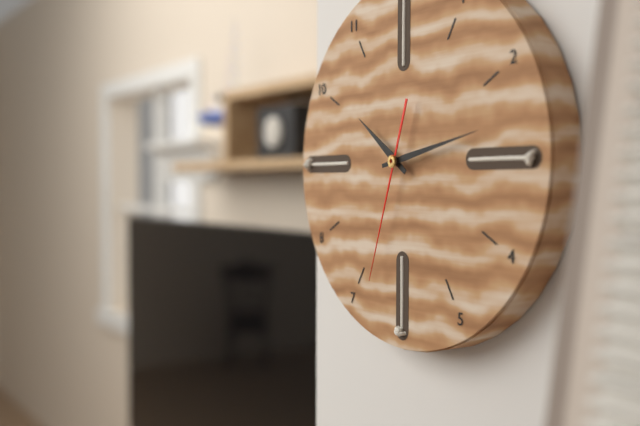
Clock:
{"hour": 10, "minute": 13, "second": 33}
